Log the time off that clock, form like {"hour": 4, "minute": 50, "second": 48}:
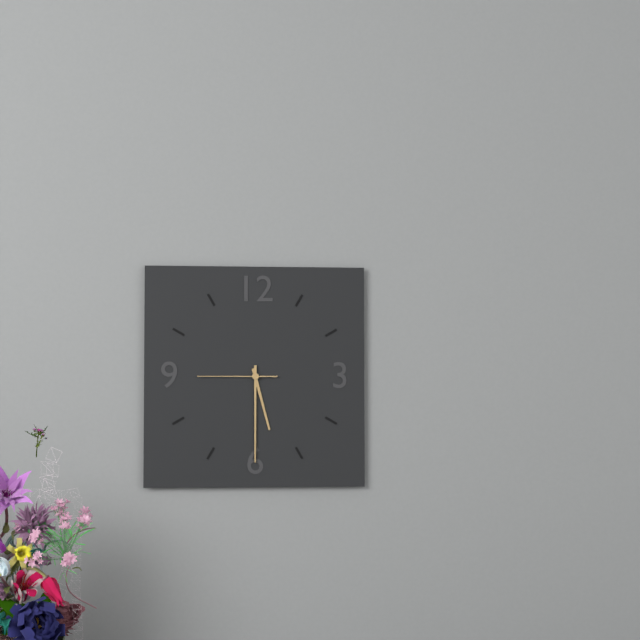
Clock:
{"hour": 5, "minute": 30, "second": 45}
